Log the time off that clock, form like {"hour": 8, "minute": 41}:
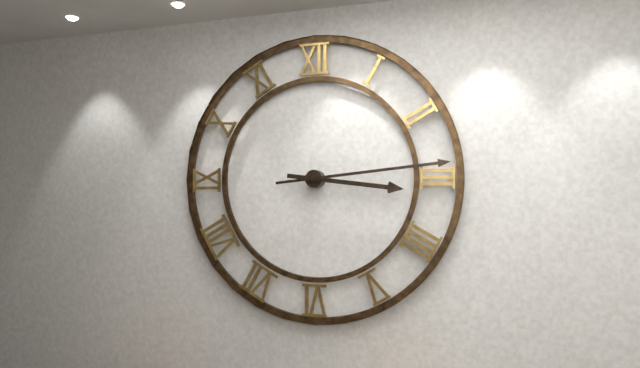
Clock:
{"hour": 3, "minute": 14}
